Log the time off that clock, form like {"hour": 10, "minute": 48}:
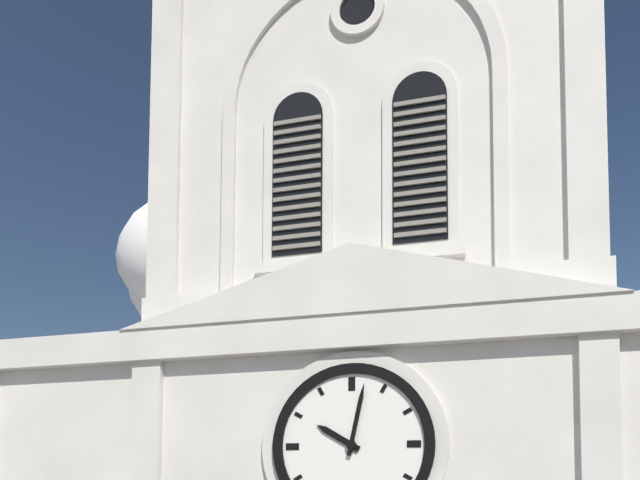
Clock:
{"hour": 10, "minute": 2}
